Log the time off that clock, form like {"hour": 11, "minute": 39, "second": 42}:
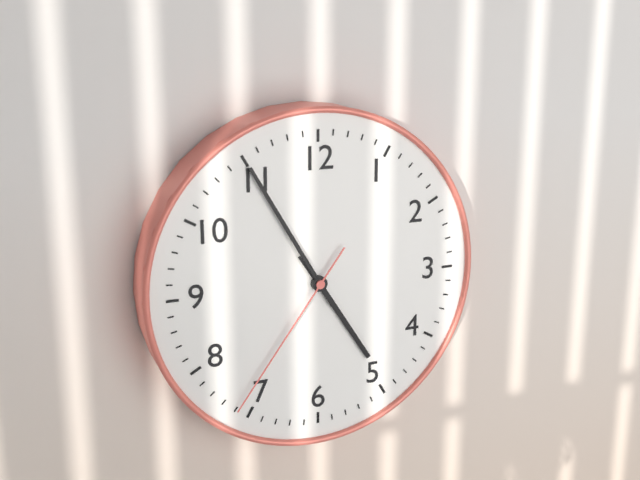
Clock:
{"hour": 4, "minute": 55, "second": 36}
